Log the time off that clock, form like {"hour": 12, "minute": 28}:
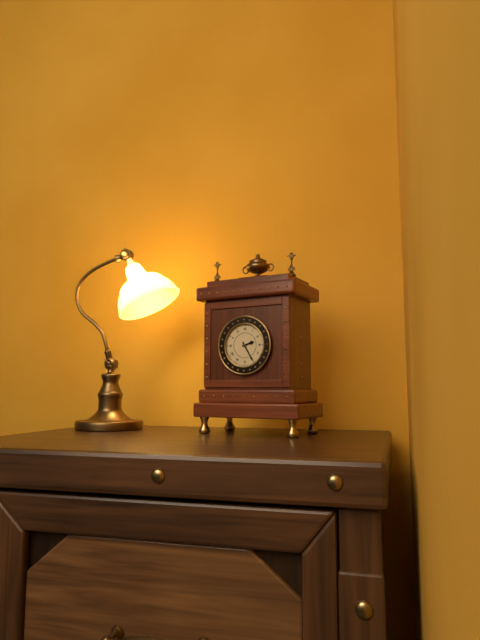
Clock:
{"hour": 2, "minute": 25}
